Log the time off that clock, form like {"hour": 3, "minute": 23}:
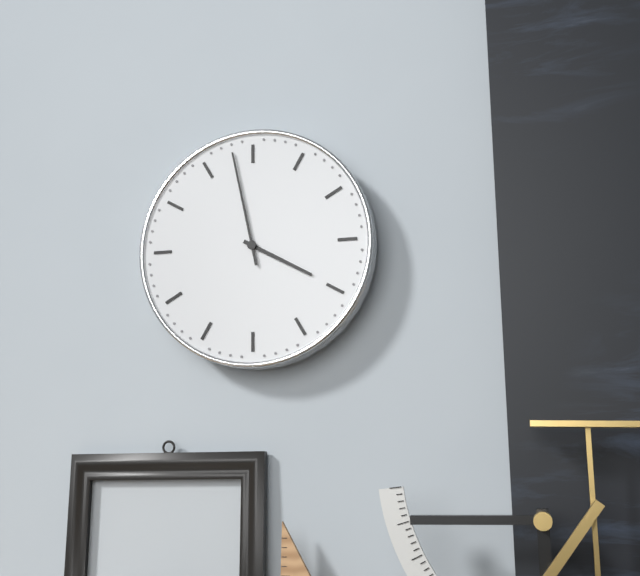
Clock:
{"hour": 3, "minute": 58}
